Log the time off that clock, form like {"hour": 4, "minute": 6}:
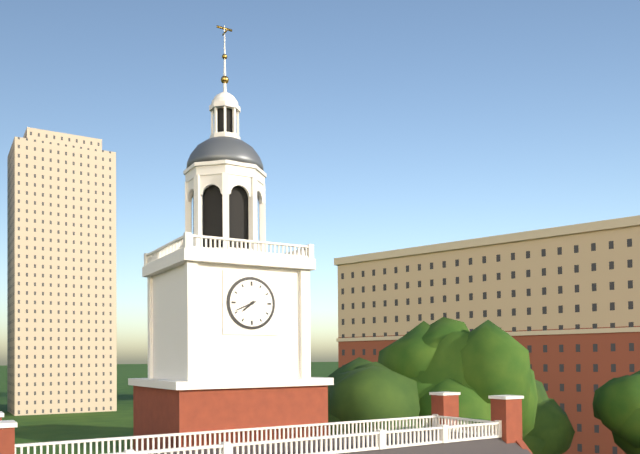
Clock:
{"hour": 7, "minute": 41}
